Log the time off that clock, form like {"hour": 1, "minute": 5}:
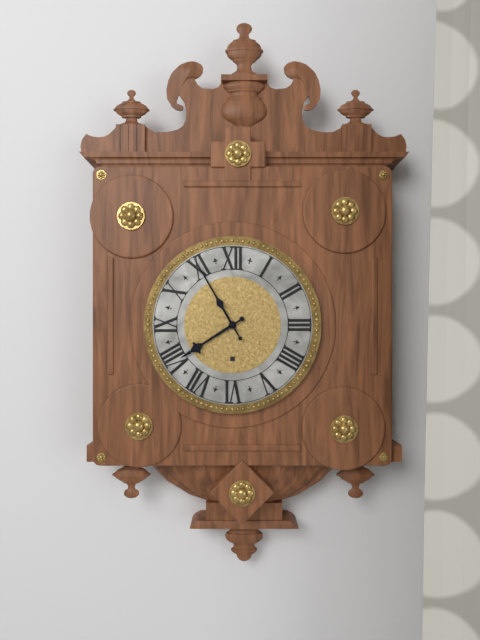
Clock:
{"hour": 7, "minute": 55}
